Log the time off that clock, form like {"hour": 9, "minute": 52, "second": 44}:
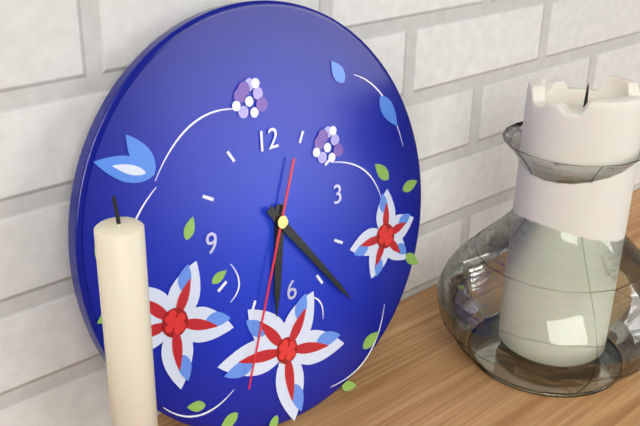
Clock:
{"hour": 6, "minute": 24, "second": 34}
